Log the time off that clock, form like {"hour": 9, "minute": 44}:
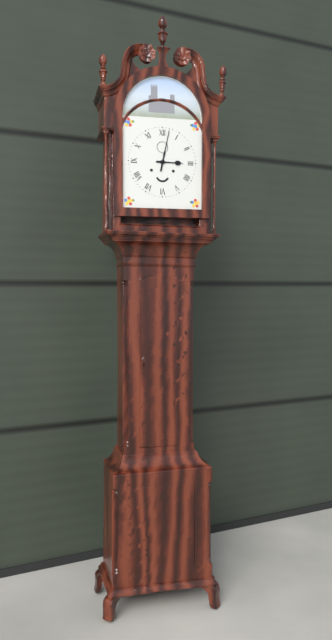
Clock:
{"hour": 3, "minute": 2}
